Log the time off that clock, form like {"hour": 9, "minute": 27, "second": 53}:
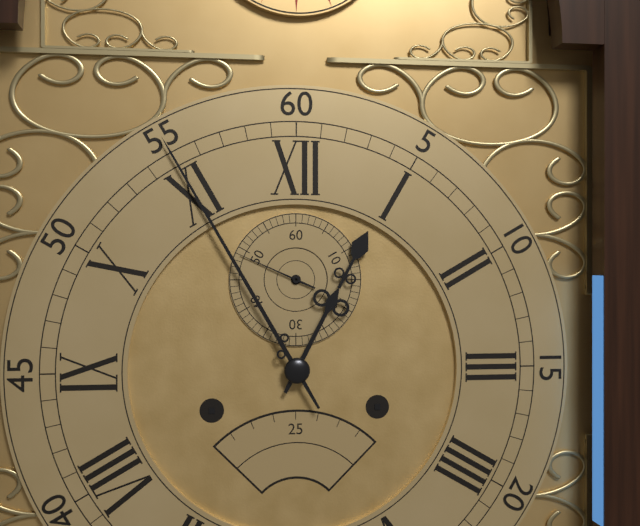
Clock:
{"hour": 12, "minute": 55, "second": 49}
